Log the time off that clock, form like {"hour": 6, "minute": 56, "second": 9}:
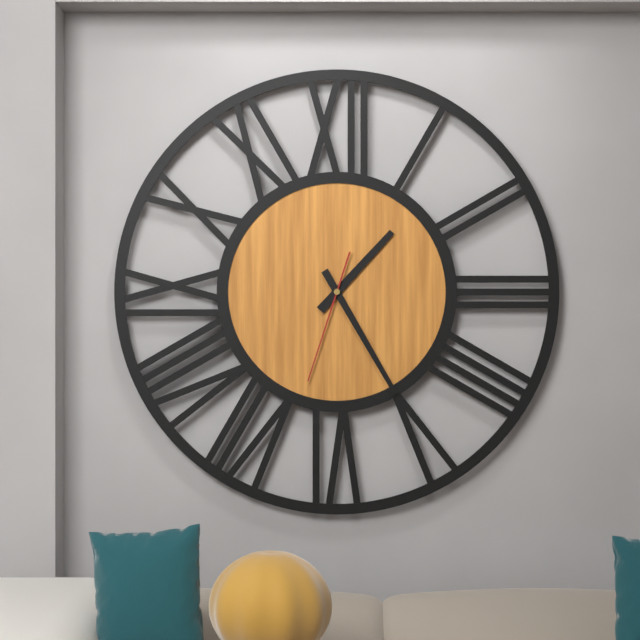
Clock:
{"hour": 1, "minute": 25, "second": 33}
